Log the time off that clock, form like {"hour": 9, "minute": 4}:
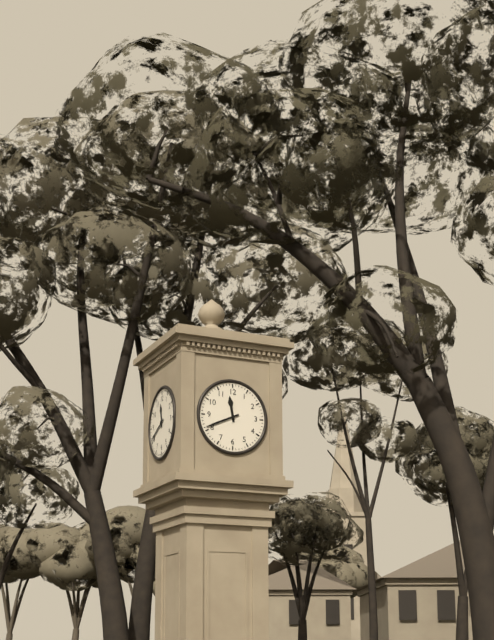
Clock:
{"hour": 11, "minute": 41}
